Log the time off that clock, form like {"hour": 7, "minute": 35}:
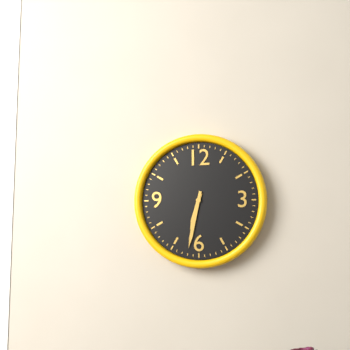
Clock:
{"hour": 6, "minute": 32}
